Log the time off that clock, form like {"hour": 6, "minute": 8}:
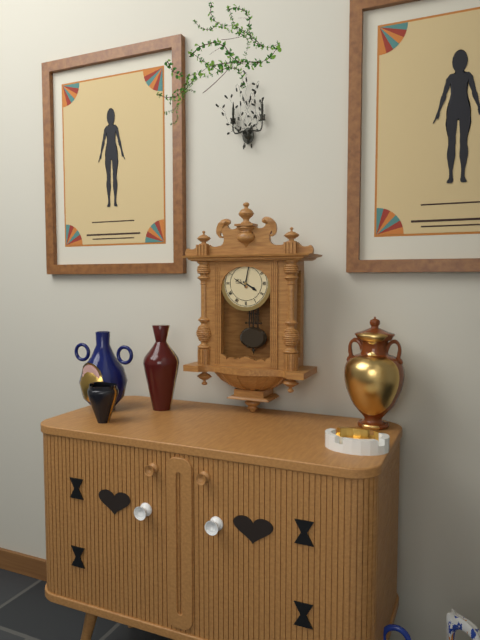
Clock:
{"hour": 4, "minute": 2}
